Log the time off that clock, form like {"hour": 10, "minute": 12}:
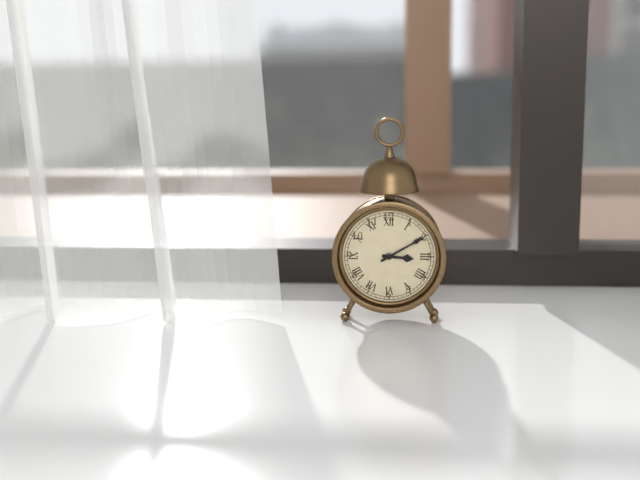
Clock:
{"hour": 3, "minute": 10}
